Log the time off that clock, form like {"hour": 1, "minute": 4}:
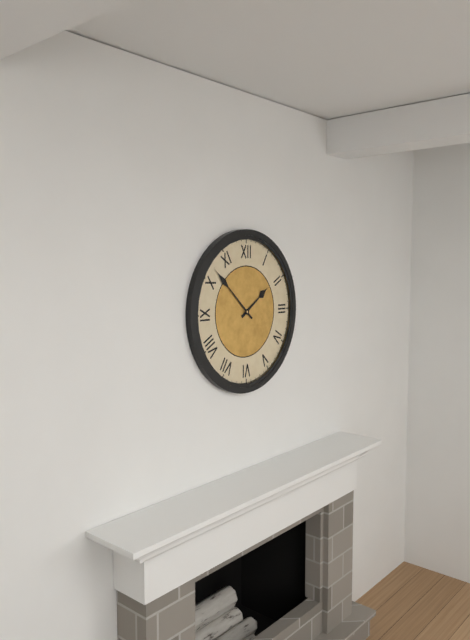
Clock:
{"hour": 1, "minute": 52}
